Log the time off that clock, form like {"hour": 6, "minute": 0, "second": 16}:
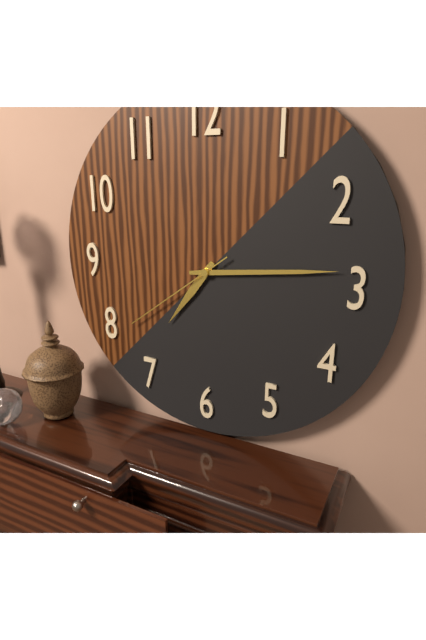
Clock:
{"hour": 7, "minute": 14, "second": 39}
